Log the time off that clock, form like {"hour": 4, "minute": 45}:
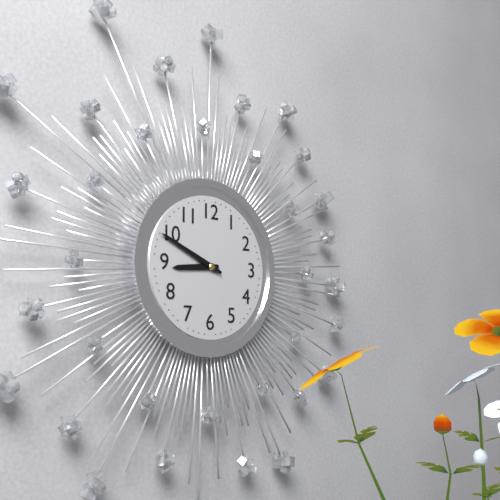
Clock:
{"hour": 8, "minute": 49}
